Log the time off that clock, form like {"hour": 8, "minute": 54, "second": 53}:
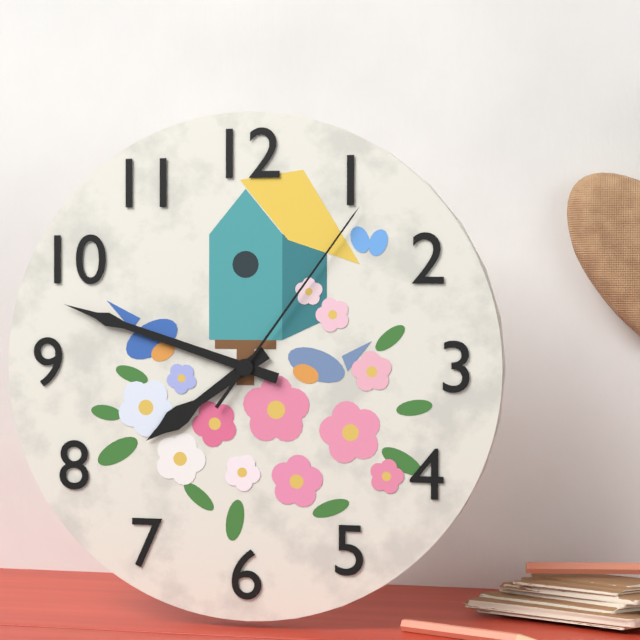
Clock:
{"hour": 7, "minute": 48, "second": 6}
